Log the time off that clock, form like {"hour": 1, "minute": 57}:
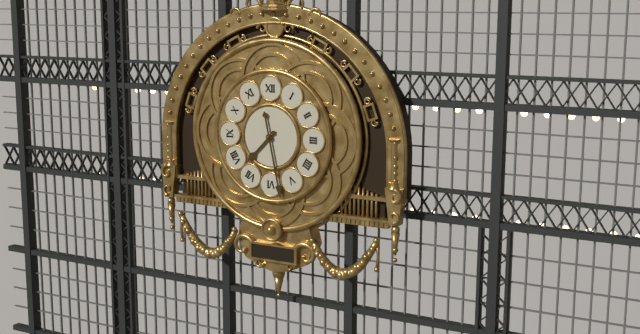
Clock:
{"hour": 7, "minute": 28}
